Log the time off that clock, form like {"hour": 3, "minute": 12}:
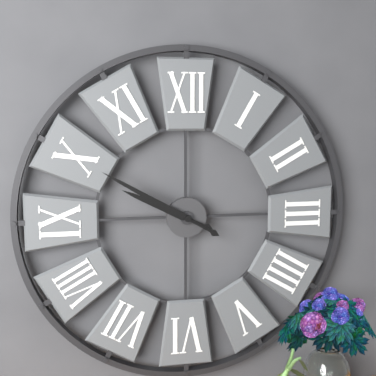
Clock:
{"hour": 9, "minute": 50}
